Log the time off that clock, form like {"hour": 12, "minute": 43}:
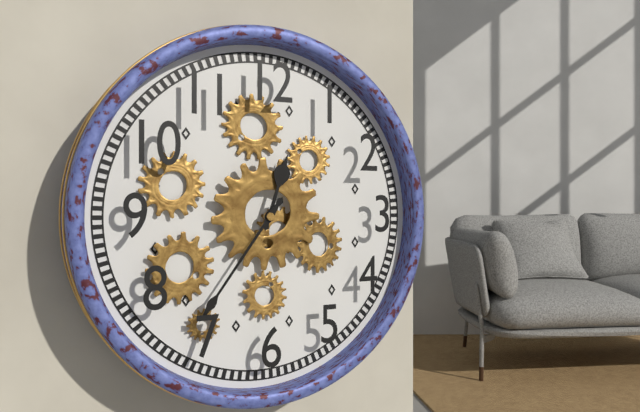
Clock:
{"hour": 12, "minute": 36}
